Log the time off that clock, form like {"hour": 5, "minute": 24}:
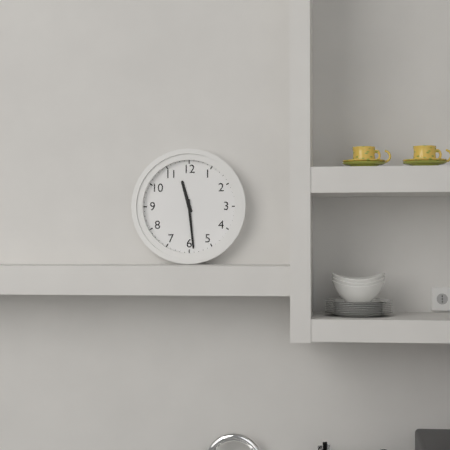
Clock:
{"hour": 11, "minute": 29}
